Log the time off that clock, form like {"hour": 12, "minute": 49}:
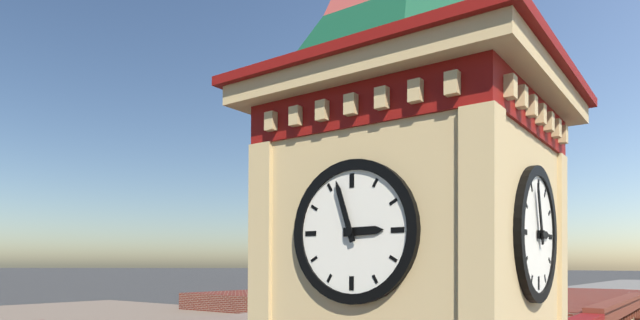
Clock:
{"hour": 2, "minute": 57}
